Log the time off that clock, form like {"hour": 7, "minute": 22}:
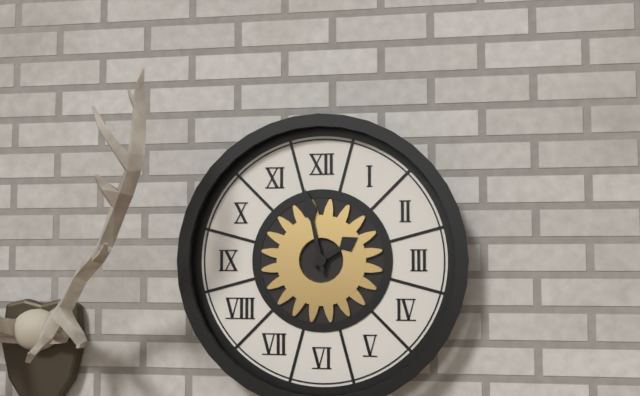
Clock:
{"hour": 1, "minute": 58}
